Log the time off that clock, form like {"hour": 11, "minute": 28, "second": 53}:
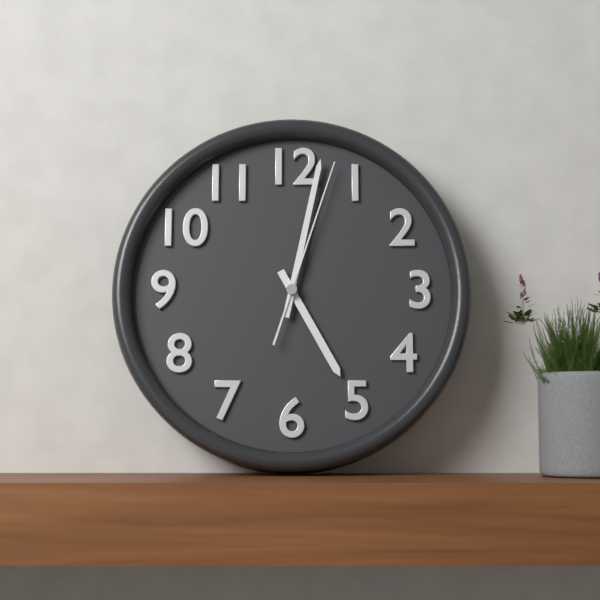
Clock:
{"hour": 5, "minute": 2, "second": 3}
